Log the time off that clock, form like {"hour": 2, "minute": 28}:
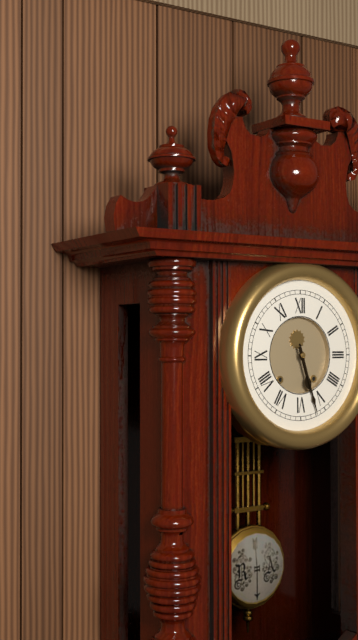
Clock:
{"hour": 5, "minute": 27}
